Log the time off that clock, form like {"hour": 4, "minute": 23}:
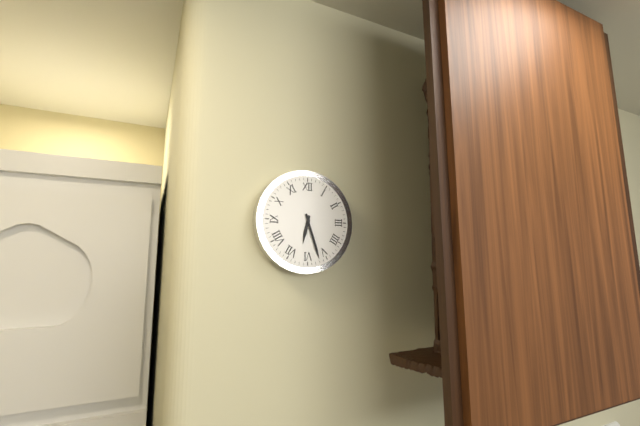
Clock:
{"hour": 6, "minute": 27}
